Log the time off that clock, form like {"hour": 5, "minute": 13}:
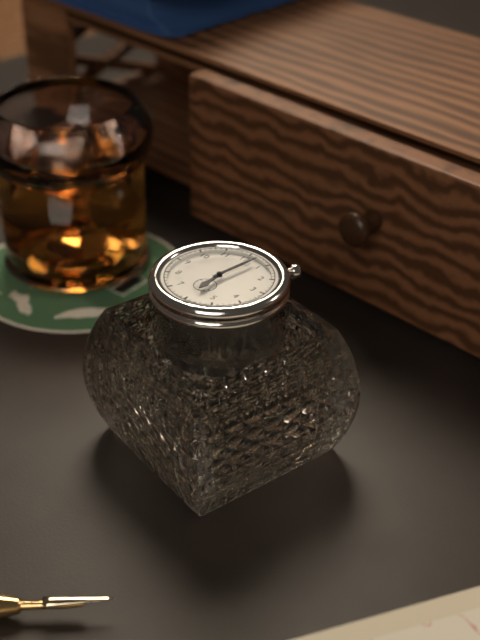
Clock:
{"hour": 6, "minute": 2}
